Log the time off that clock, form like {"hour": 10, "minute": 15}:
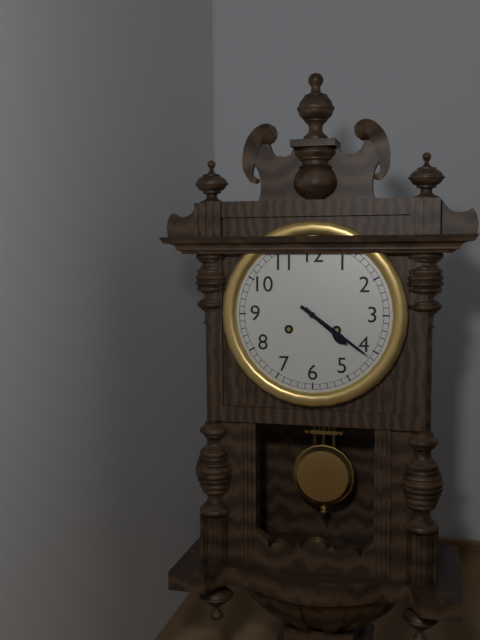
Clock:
{"hour": 4, "minute": 21}
